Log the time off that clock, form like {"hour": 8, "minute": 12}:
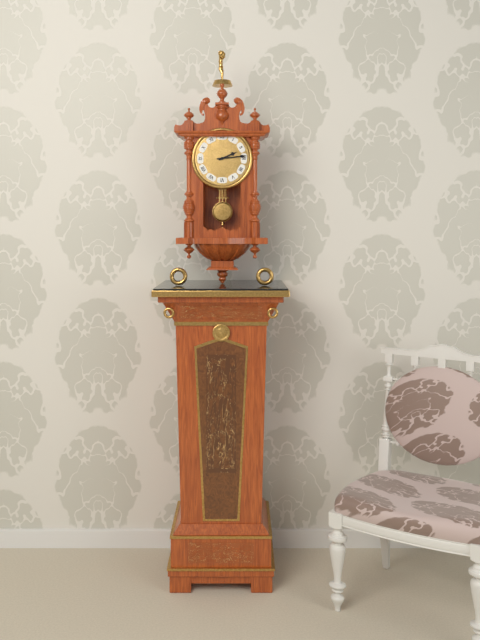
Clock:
{"hour": 2, "minute": 14}
